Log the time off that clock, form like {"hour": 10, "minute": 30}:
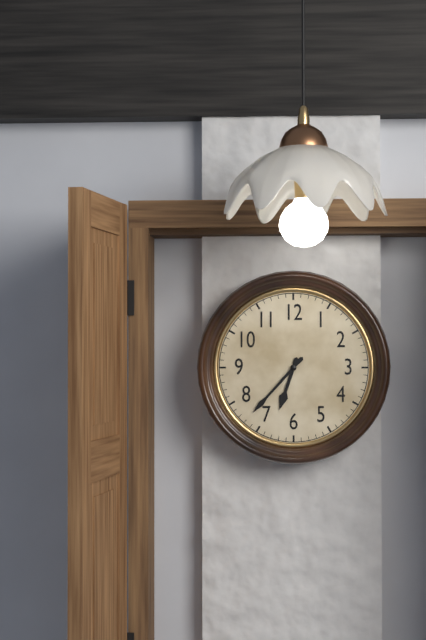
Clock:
{"hour": 6, "minute": 37}
